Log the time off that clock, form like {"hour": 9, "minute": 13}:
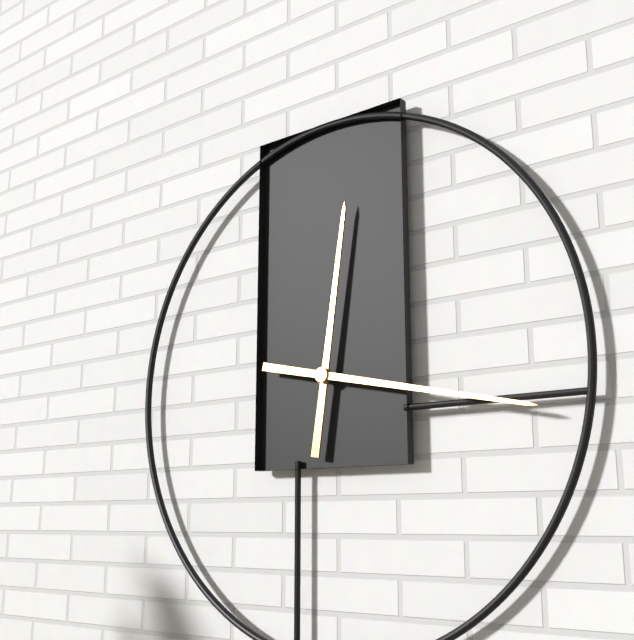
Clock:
{"hour": 12, "minute": 17}
